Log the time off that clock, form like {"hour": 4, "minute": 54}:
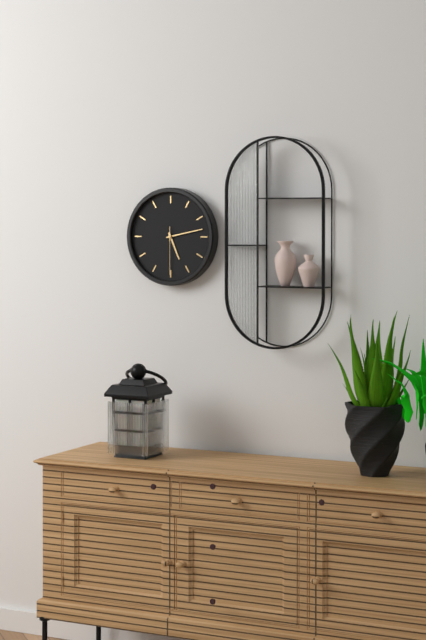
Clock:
{"hour": 5, "minute": 13}
